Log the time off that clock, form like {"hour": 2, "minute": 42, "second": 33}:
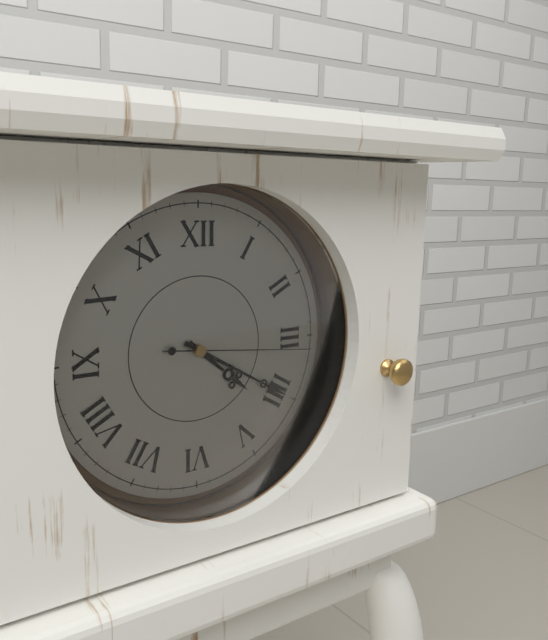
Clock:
{"hour": 4, "minute": 20, "second": 16}
